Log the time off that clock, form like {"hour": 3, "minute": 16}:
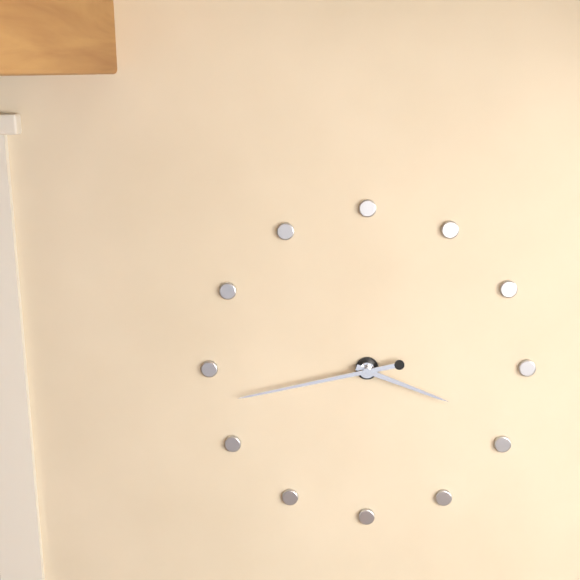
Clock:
{"hour": 3, "minute": 43}
